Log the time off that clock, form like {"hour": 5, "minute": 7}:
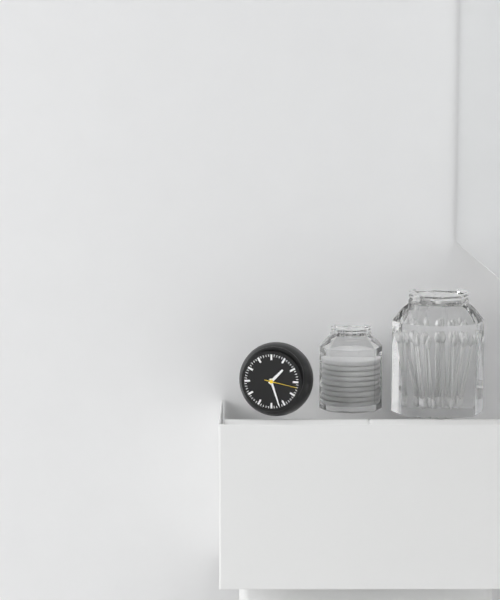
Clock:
{"hour": 1, "minute": 27}
